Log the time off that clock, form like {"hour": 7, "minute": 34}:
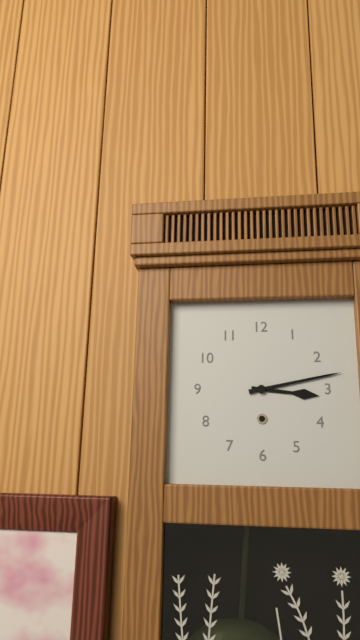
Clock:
{"hour": 3, "minute": 13}
